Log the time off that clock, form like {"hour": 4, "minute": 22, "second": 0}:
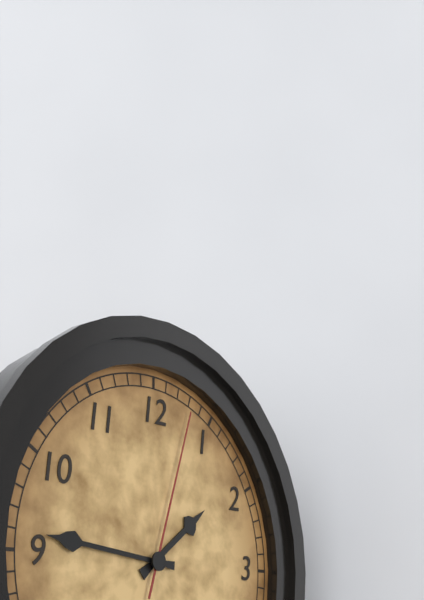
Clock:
{"hour": 1, "minute": 46, "second": 3}
